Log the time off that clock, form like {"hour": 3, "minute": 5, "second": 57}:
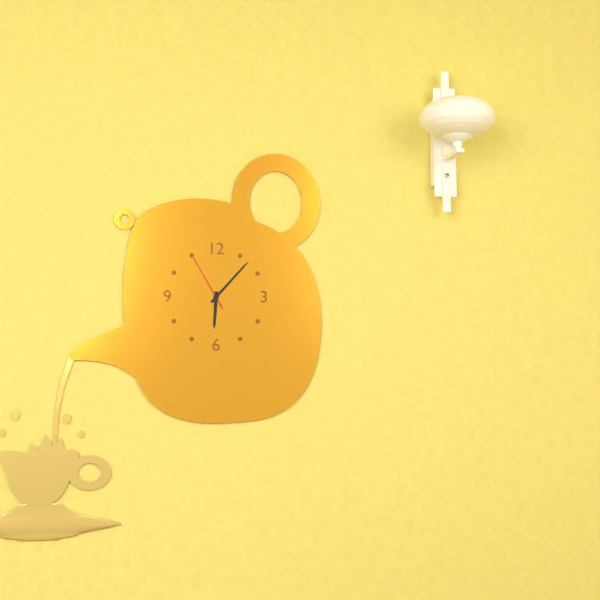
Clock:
{"hour": 6, "minute": 7, "second": 55}
